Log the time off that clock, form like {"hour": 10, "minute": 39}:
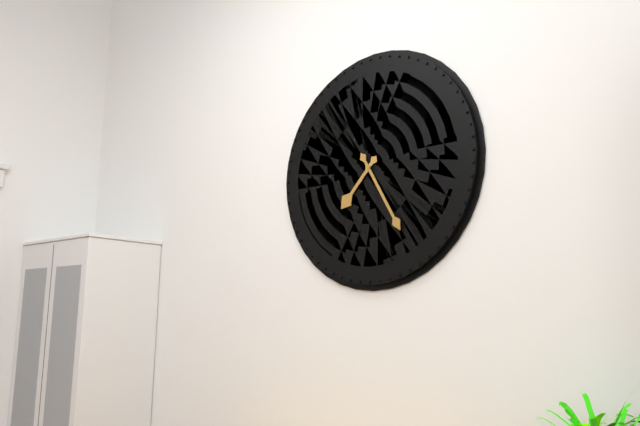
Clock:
{"hour": 7, "minute": 25}
